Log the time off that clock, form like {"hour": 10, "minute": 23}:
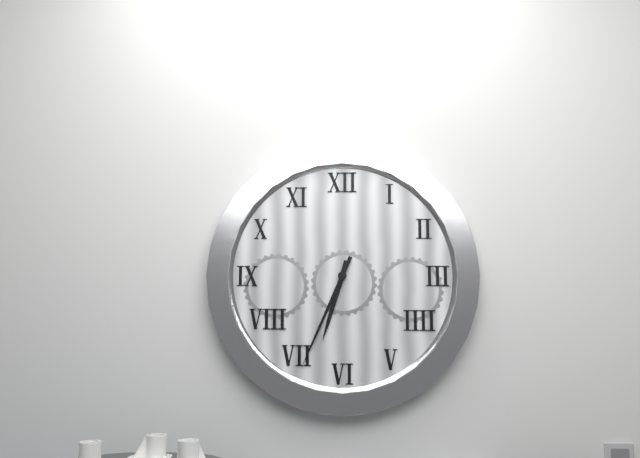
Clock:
{"hour": 6, "minute": 34}
